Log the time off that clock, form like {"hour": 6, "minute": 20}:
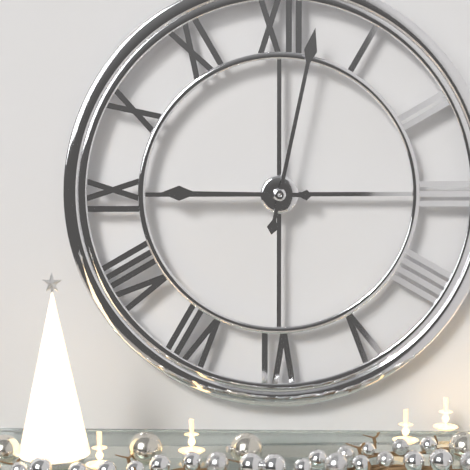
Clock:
{"hour": 9, "minute": 2}
